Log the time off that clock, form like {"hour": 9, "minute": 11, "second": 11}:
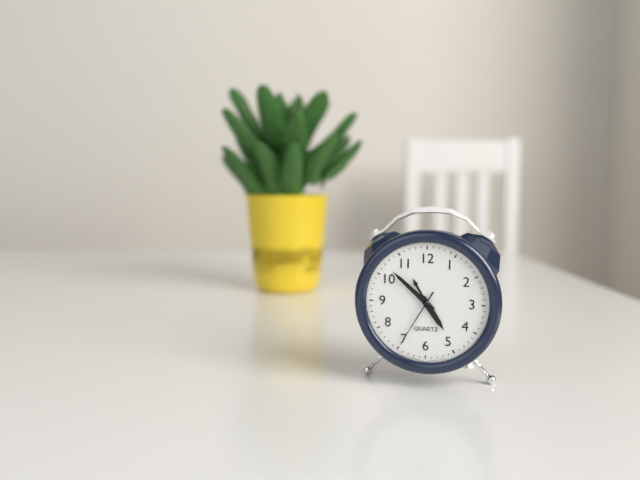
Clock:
{"hour": 4, "minute": 52, "second": 35}
